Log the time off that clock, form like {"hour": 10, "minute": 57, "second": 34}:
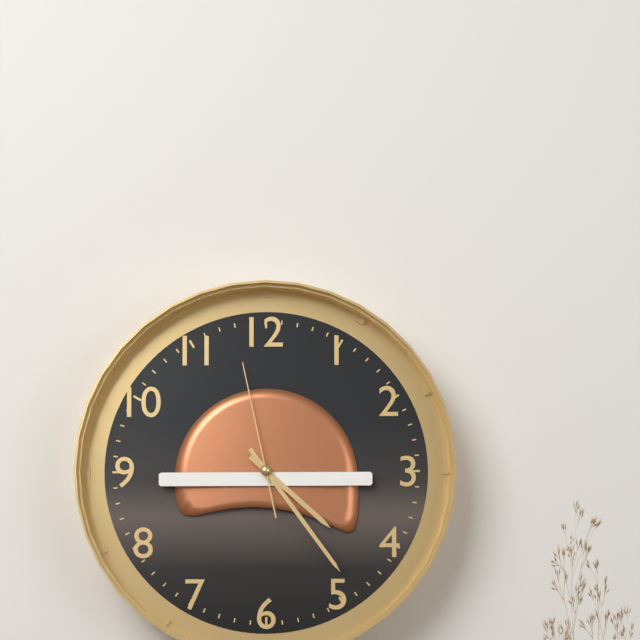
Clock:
{"hour": 4, "minute": 24, "second": 58}
